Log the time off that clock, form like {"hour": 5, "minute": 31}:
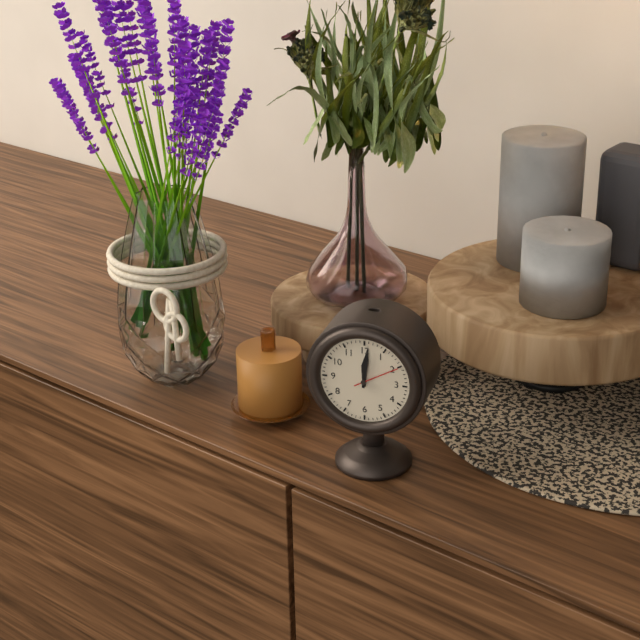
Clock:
{"hour": 12, "minute": 1}
